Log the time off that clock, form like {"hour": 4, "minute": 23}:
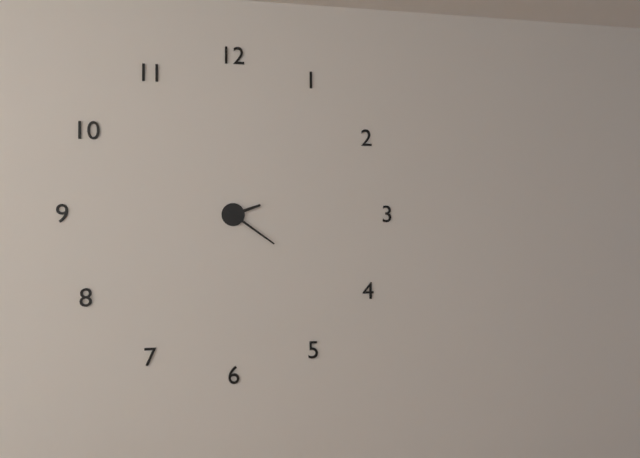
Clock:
{"hour": 2, "minute": 21}
